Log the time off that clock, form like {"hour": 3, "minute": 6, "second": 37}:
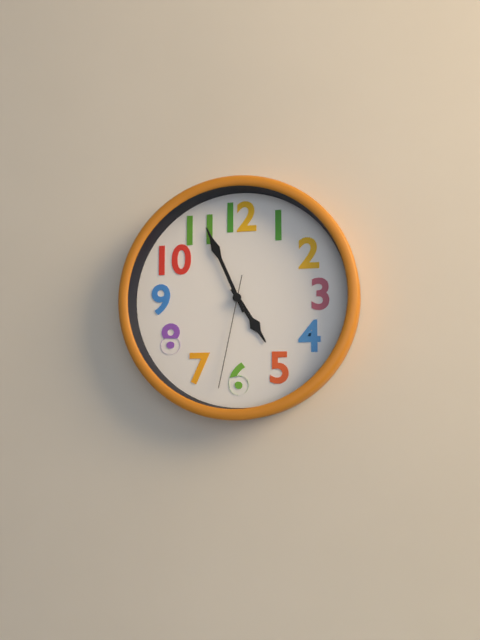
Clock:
{"hour": 4, "minute": 56, "second": 32}
